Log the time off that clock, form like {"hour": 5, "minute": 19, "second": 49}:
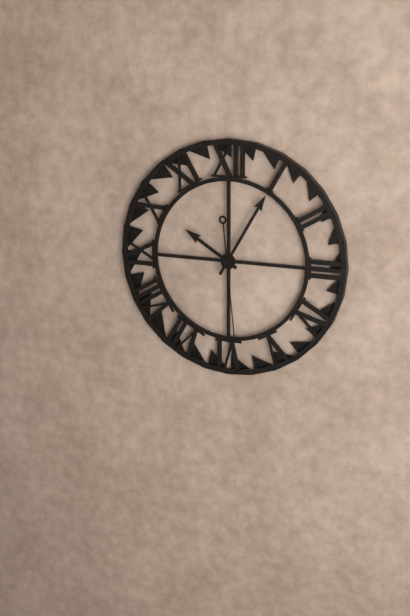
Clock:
{"hour": 10, "minute": 5, "second": 29}
